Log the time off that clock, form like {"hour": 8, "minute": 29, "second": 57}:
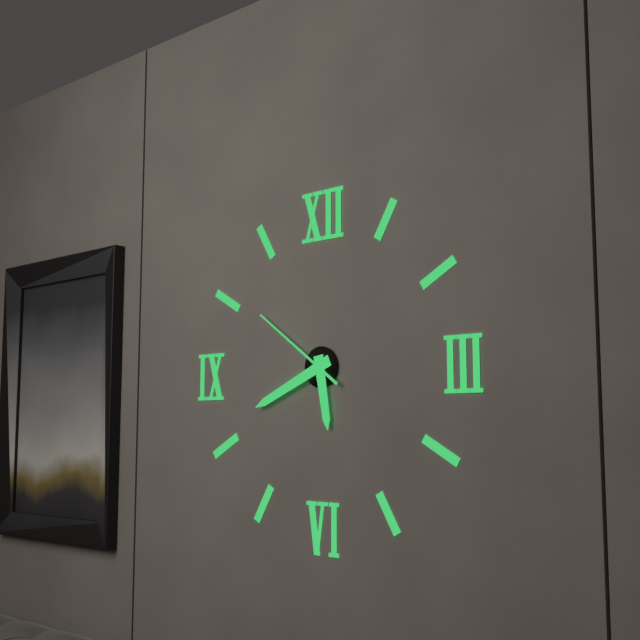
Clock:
{"hour": 5, "minute": 41, "second": 51}
